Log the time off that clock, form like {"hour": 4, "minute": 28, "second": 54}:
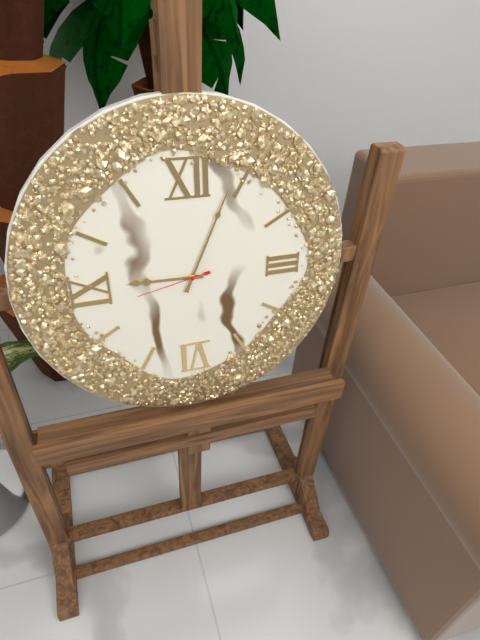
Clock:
{"hour": 9, "minute": 4, "second": 43}
